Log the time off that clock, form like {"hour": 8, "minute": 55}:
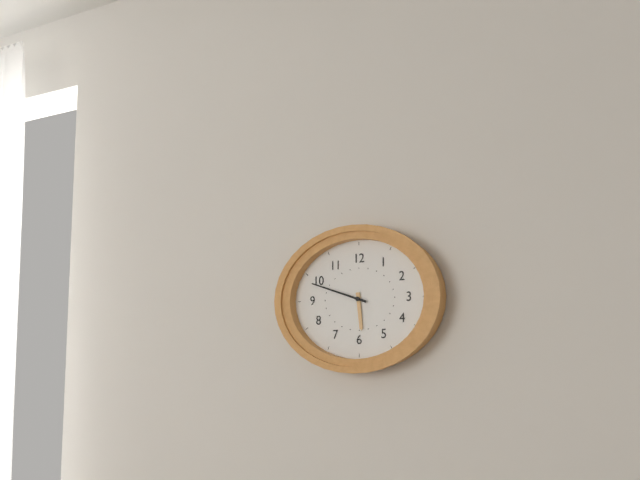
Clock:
{"hour": 5, "minute": 48}
